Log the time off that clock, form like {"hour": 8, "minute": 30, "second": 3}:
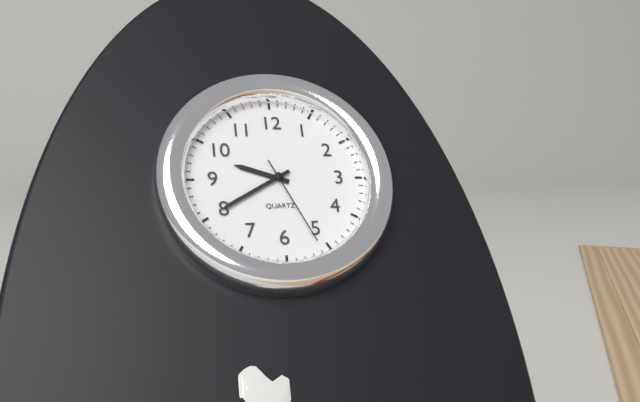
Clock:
{"hour": 9, "minute": 40, "second": 26}
